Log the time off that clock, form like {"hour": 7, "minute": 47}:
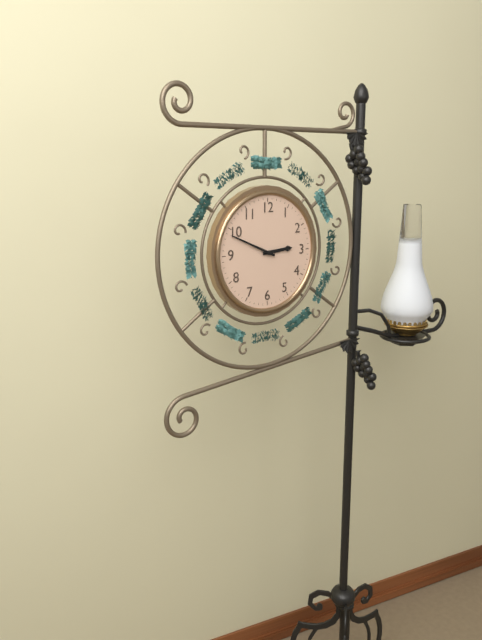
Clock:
{"hour": 2, "minute": 49}
